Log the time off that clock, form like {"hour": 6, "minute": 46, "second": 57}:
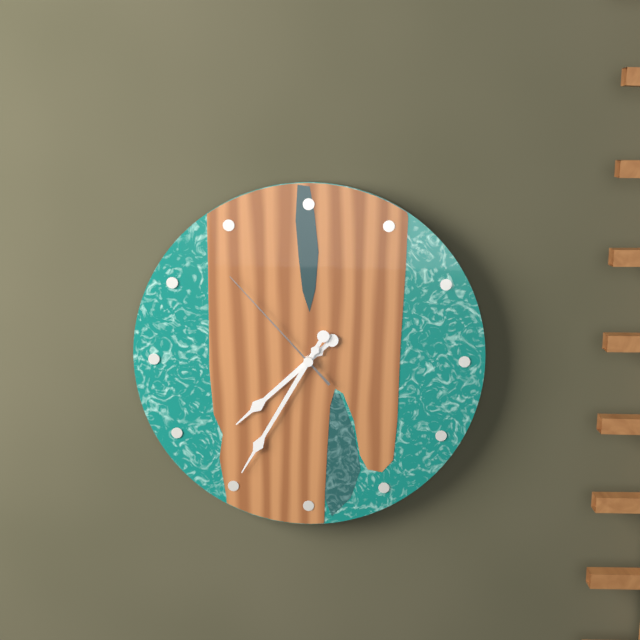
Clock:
{"hour": 7, "minute": 35, "second": 53}
